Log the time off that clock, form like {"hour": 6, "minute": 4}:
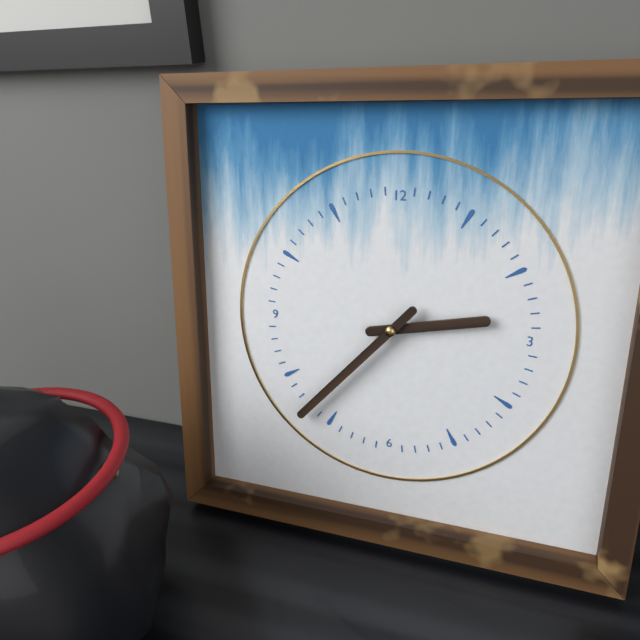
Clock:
{"hour": 2, "minute": 37}
